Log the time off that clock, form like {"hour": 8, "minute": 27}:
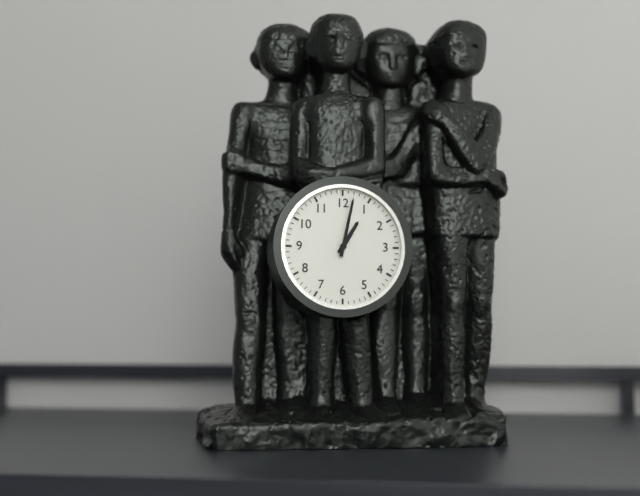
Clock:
{"hour": 1, "minute": 2}
